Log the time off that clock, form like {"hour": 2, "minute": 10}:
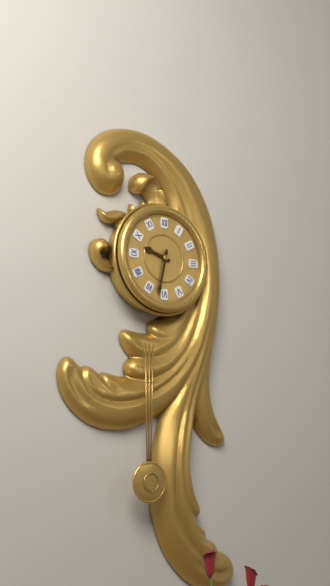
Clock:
{"hour": 9, "minute": 32}
